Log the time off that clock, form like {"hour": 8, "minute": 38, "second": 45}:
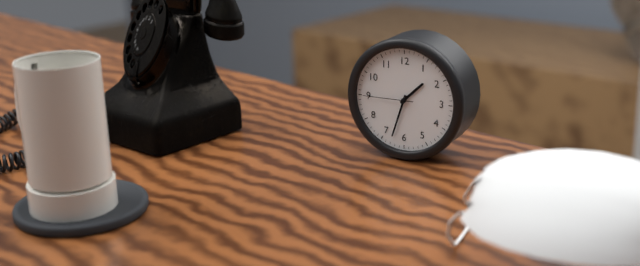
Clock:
{"hour": 1, "minute": 33, "second": 45}
